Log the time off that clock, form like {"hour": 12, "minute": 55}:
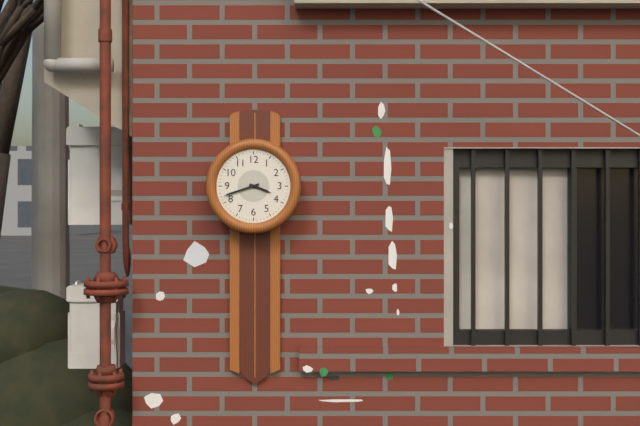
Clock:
{"hour": 3, "minute": 42}
